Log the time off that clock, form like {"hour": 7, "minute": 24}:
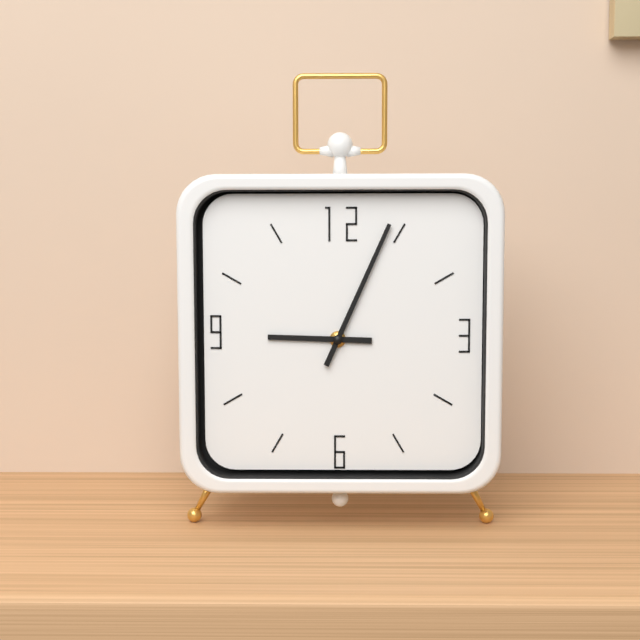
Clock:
{"hour": 9, "minute": 4}
